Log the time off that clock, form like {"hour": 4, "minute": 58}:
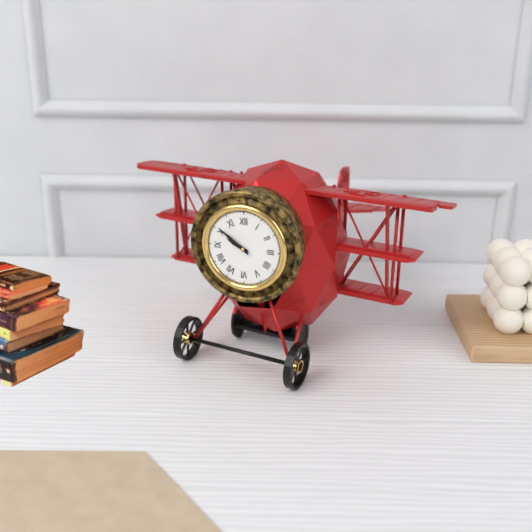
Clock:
{"hour": 9, "minute": 51}
